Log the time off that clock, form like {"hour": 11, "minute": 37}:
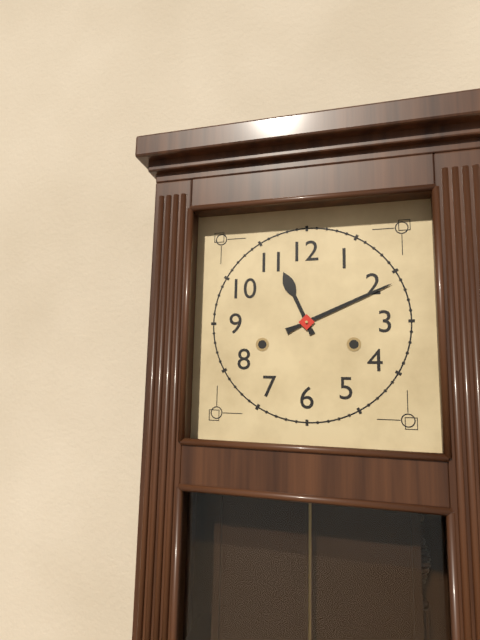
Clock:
{"hour": 11, "minute": 11}
